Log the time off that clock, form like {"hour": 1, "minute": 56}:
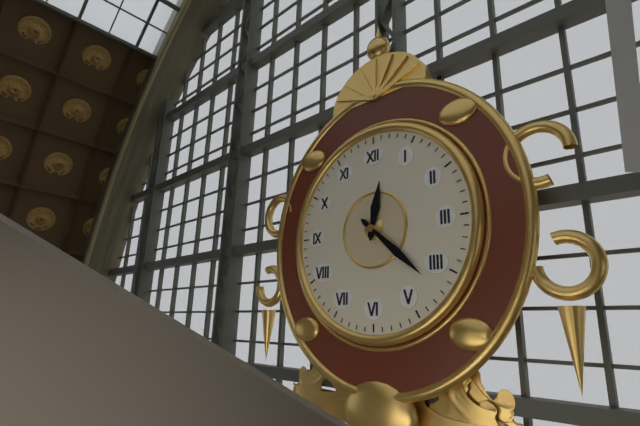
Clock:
{"hour": 12, "minute": 22}
